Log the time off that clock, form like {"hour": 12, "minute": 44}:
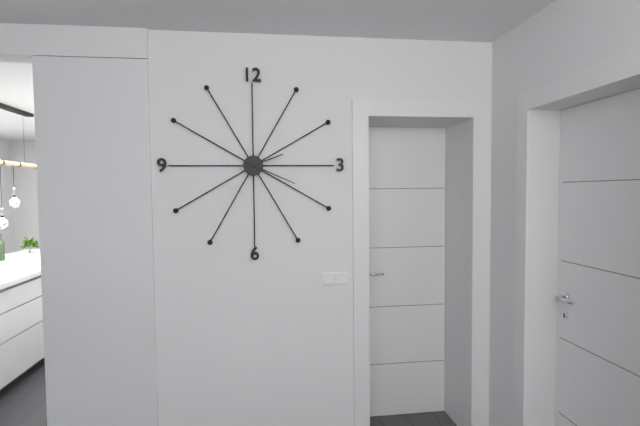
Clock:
{"hour": 2, "minute": 19}
